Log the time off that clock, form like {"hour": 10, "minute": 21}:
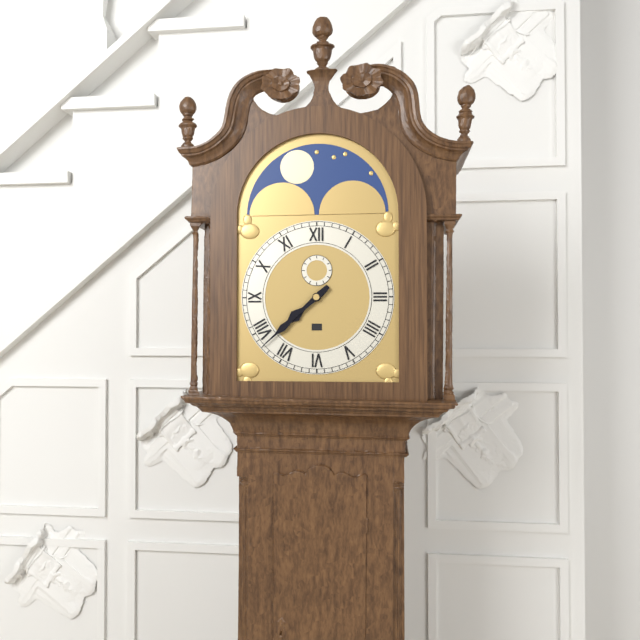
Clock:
{"hour": 7, "minute": 38}
